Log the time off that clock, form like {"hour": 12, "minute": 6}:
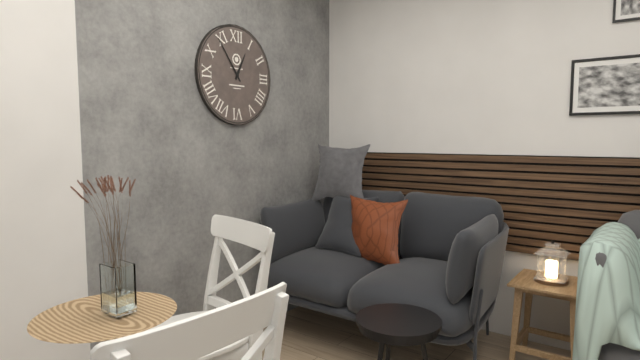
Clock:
{"hour": 12, "minute": 54}
